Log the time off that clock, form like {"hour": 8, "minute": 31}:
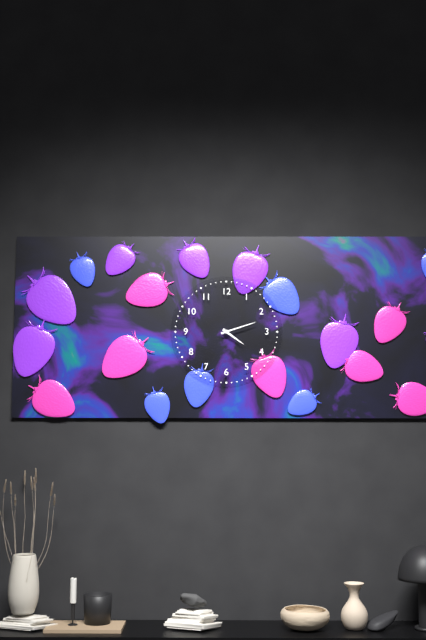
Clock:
{"hour": 4, "minute": 12}
